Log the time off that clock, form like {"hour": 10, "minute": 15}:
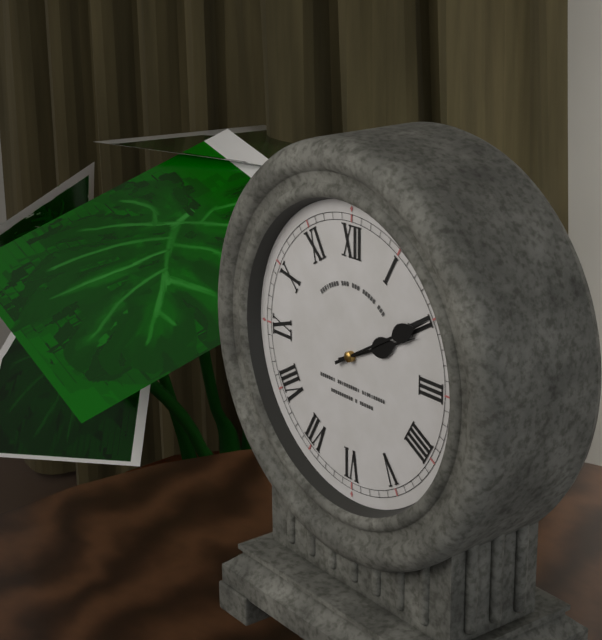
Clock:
{"hour": 2, "minute": 10}
